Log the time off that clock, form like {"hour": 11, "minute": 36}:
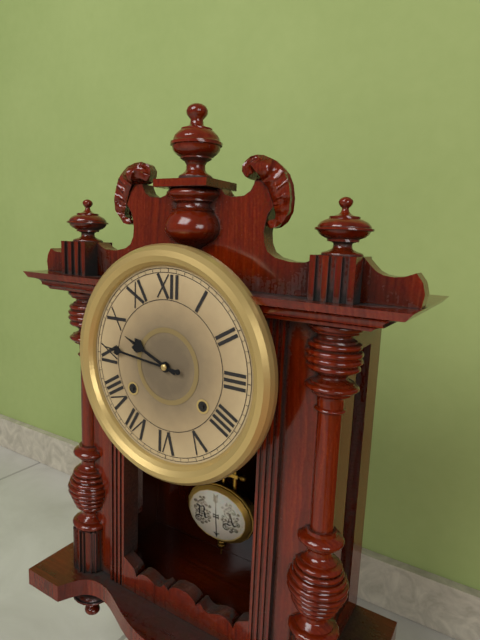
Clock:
{"hour": 9, "minute": 46}
